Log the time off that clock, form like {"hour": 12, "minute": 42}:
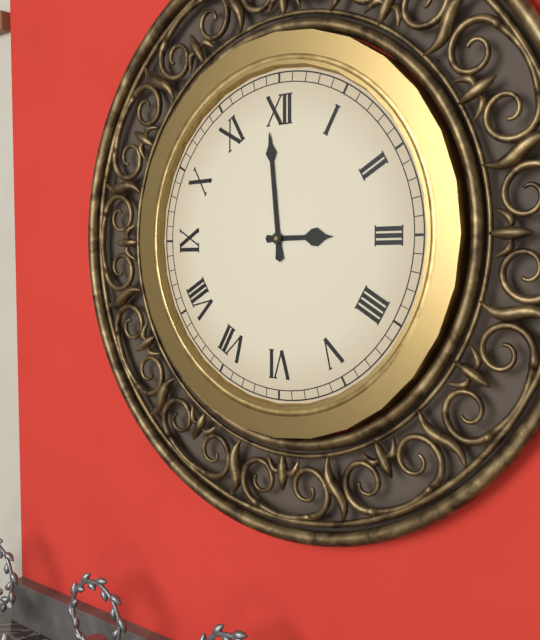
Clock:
{"hour": 2, "minute": 59}
